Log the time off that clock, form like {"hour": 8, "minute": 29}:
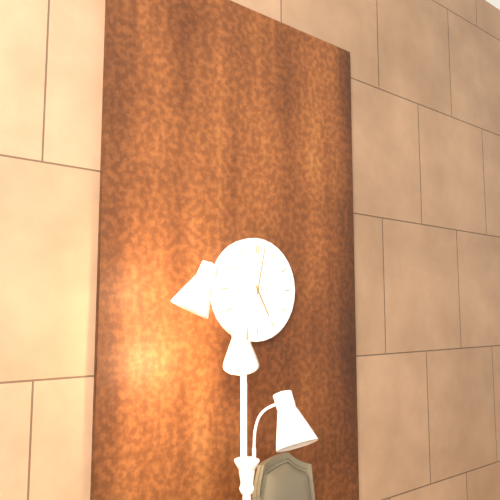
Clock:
{"hour": 5, "minute": 2}
